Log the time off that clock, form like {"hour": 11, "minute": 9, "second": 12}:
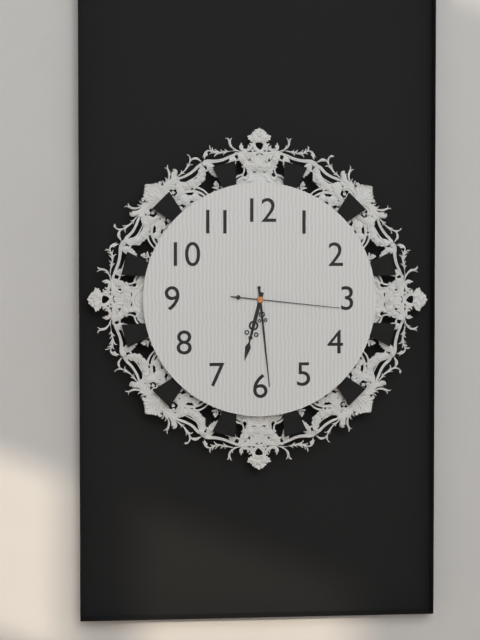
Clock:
{"hour": 6, "minute": 29, "second": 16}
